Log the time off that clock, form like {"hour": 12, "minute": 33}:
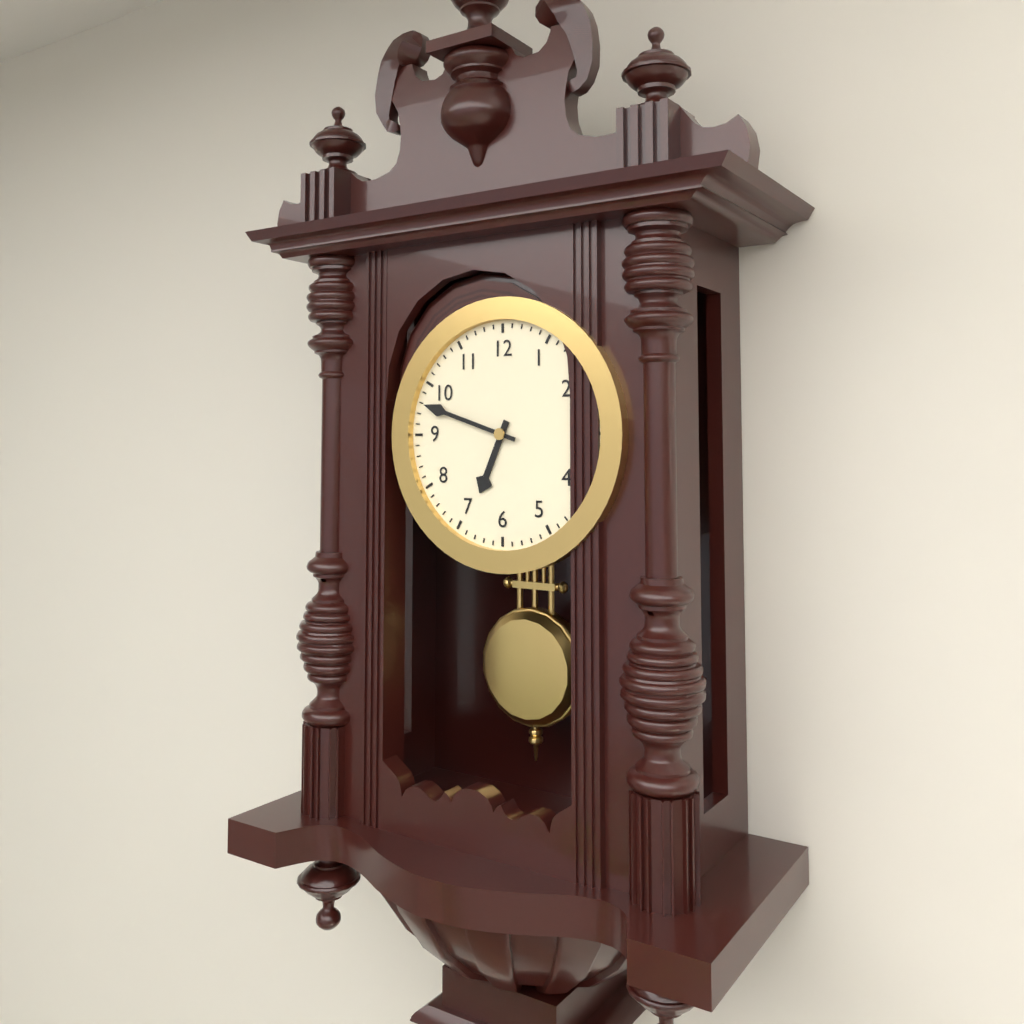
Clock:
{"hour": 6, "minute": 48}
